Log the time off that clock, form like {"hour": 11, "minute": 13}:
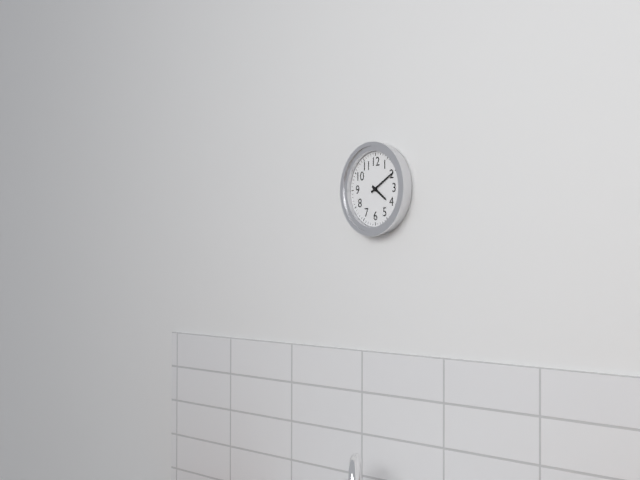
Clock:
{"hour": 4, "minute": 10}
